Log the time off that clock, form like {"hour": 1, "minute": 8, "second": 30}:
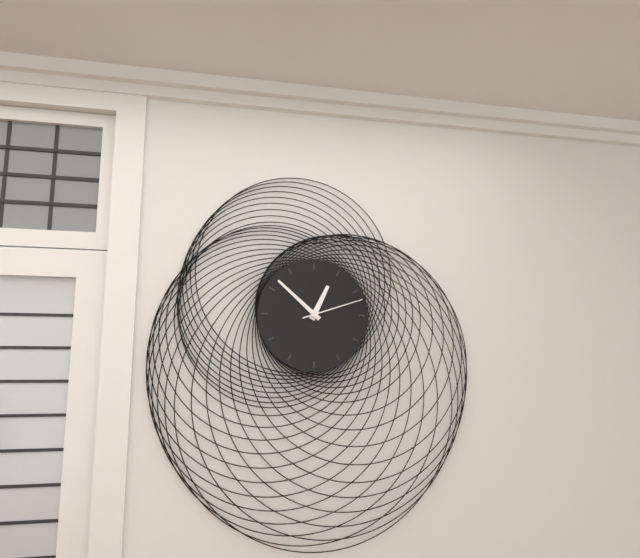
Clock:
{"hour": 12, "minute": 52, "second": 12}
